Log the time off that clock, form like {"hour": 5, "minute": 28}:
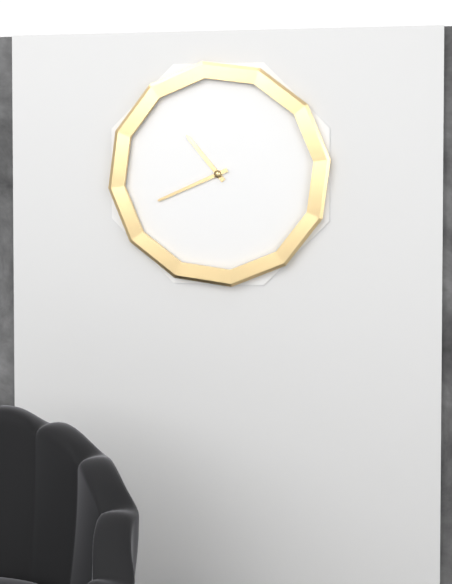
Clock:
{"hour": 10, "minute": 41}
